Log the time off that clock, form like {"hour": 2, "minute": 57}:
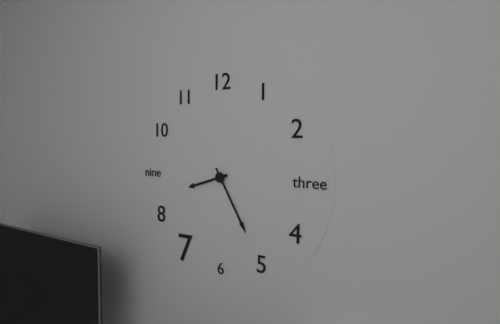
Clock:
{"hour": 8, "minute": 25}
